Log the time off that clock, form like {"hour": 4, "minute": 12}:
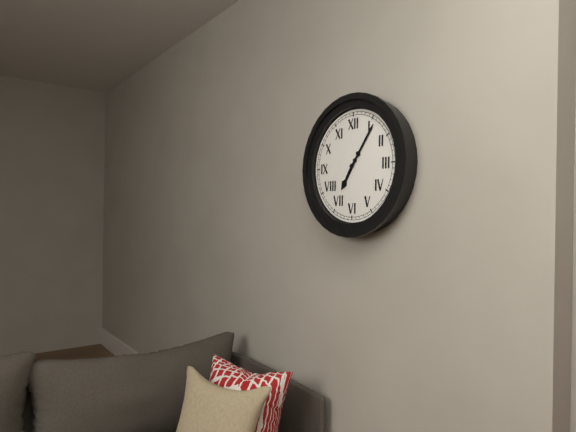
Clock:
{"hour": 7, "minute": 6}
